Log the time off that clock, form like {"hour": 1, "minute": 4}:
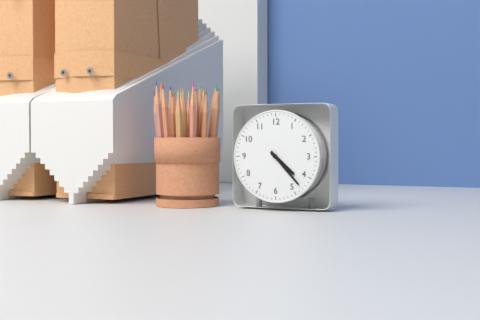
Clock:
{"hour": 4, "minute": 23}
